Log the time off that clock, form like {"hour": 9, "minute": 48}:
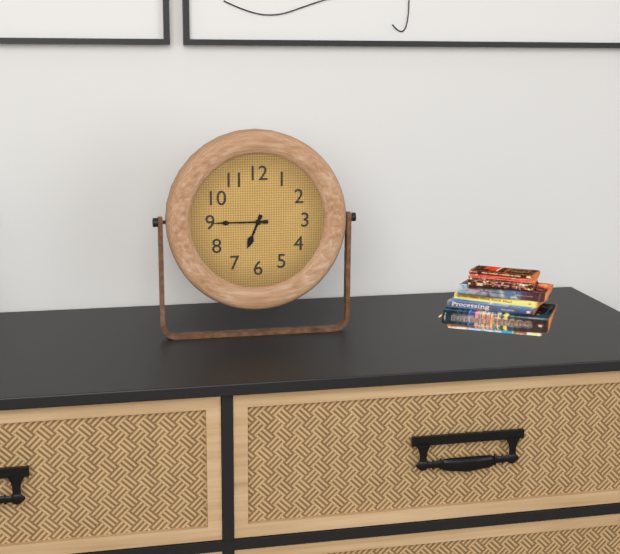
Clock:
{"hour": 6, "minute": 45}
